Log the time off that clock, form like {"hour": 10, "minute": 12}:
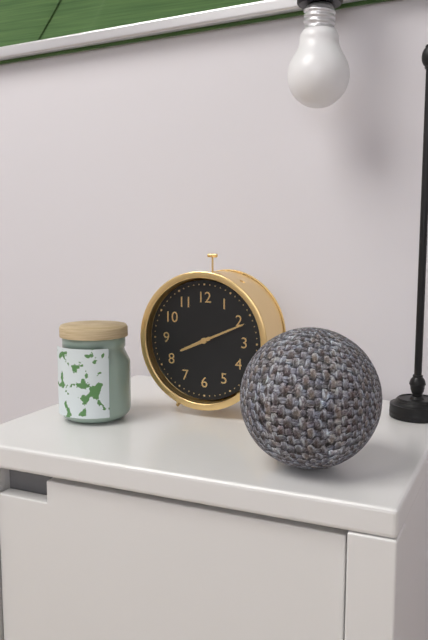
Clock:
{"hour": 8, "minute": 11}
